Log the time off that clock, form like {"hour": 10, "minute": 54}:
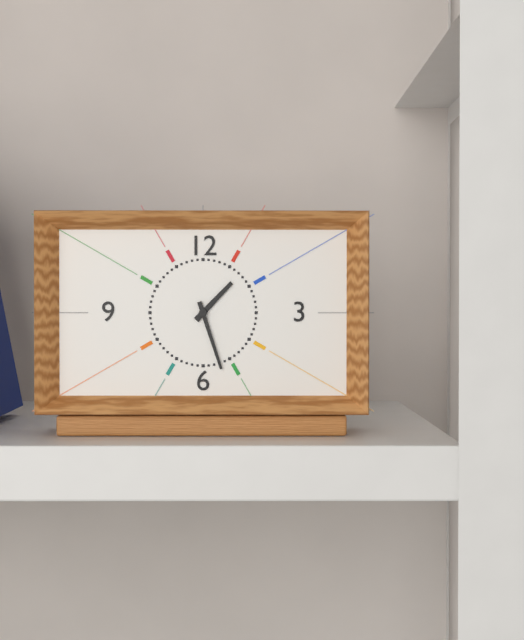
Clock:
{"hour": 1, "minute": 27}
